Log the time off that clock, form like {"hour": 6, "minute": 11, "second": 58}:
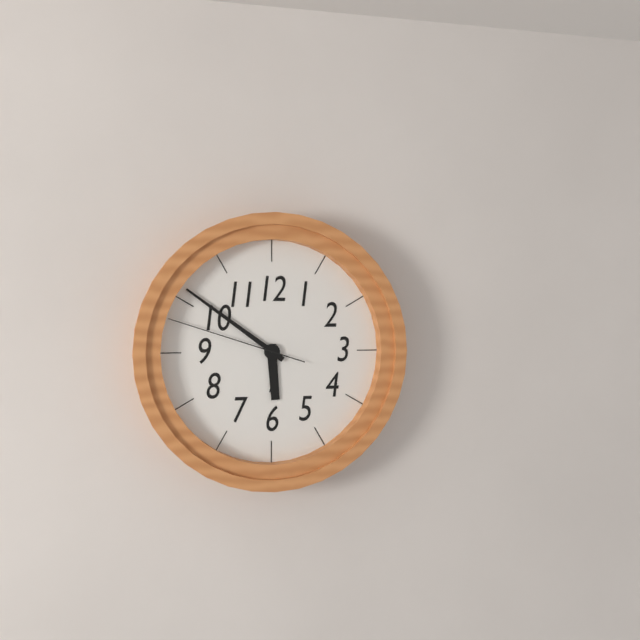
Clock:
{"hour": 5, "minute": 51, "second": 48}
